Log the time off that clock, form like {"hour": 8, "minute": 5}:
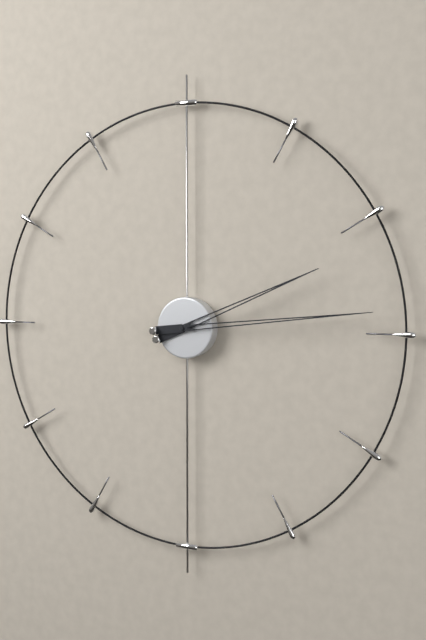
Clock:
{"hour": 2, "minute": 14}
